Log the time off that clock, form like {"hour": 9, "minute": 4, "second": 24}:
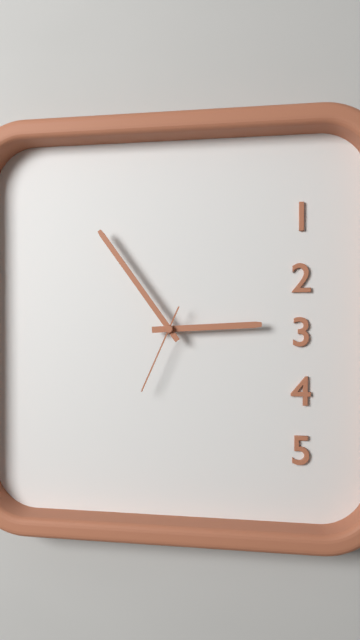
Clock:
{"hour": 2, "minute": 54, "second": 34}
